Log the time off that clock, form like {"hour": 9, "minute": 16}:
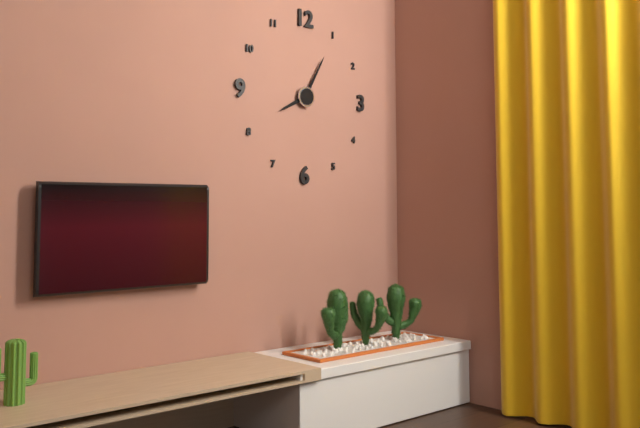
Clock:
{"hour": 8, "minute": 5}
